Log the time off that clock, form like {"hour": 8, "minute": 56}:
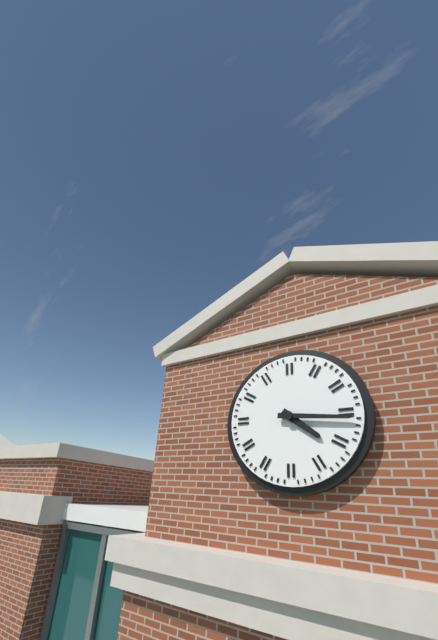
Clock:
{"hour": 4, "minute": 16}
